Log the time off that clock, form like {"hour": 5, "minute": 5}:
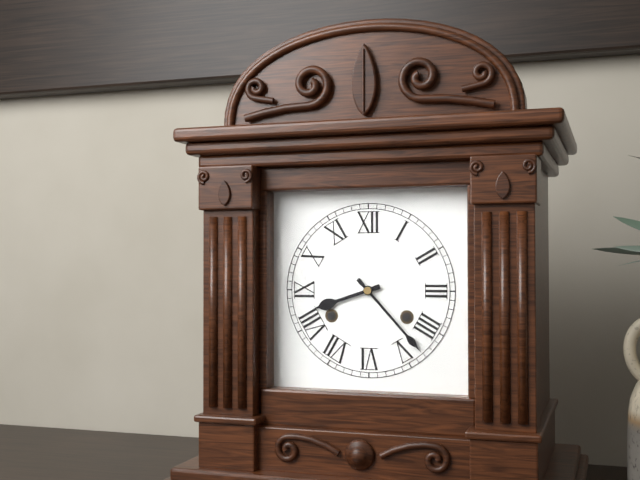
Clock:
{"hour": 8, "minute": 23}
